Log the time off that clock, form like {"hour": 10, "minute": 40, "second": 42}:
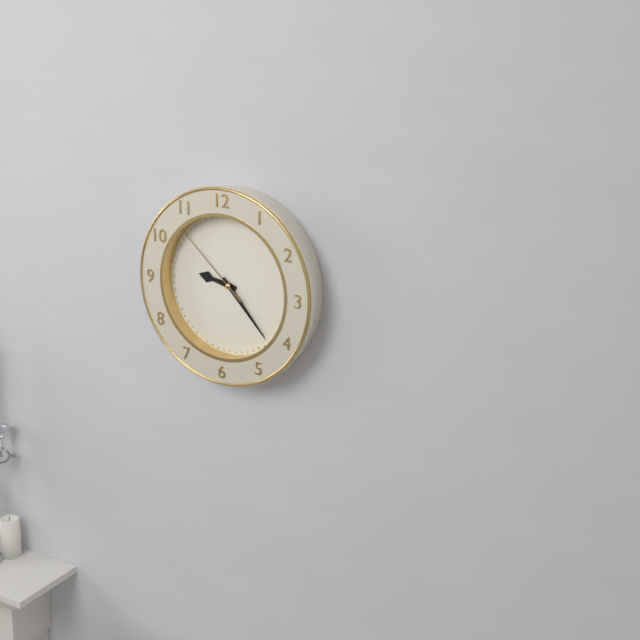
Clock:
{"hour": 9, "minute": 23, "second": 52}
